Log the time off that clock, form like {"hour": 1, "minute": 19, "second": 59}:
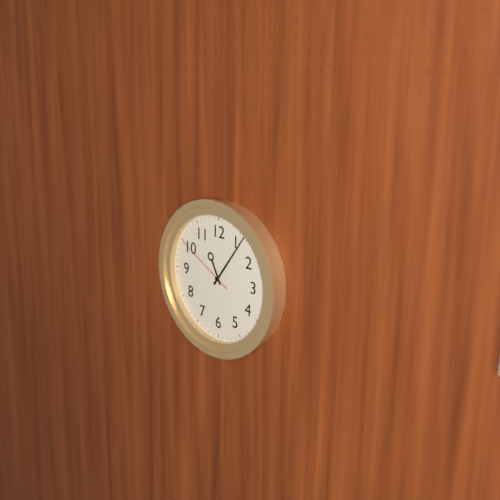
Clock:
{"hour": 11, "minute": 6, "second": 50}
